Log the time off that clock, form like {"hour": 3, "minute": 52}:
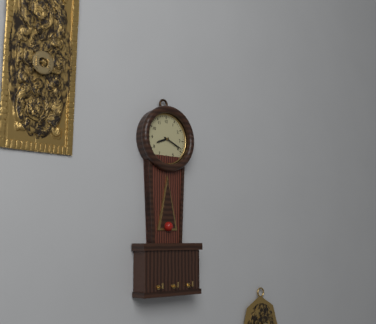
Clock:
{"hour": 8, "minute": 19}
